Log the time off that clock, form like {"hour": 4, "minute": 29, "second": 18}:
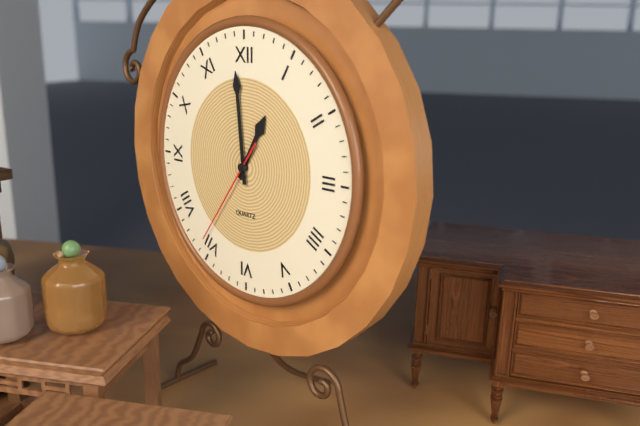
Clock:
{"hour": 12, "minute": 59, "second": 36}
